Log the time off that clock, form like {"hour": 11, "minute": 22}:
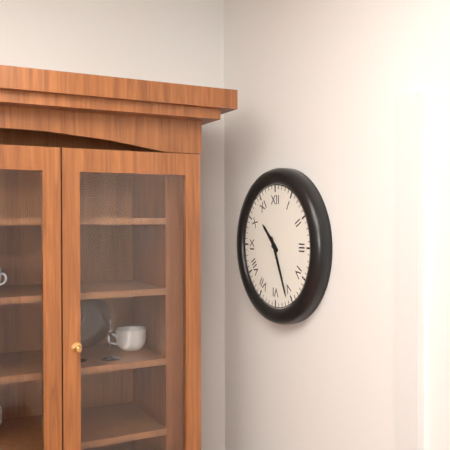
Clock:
{"hour": 10, "minute": 26}
